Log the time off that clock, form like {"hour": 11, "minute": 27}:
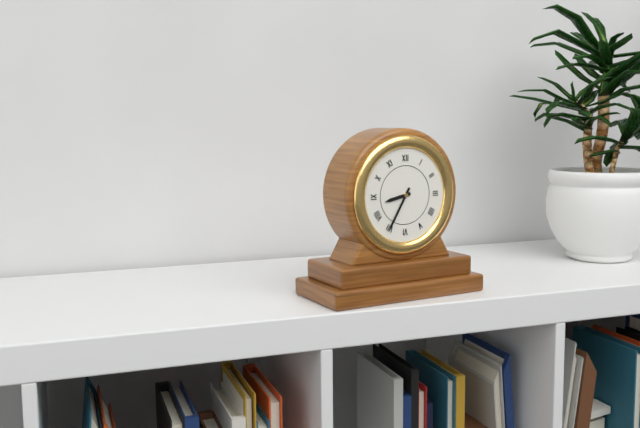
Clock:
{"hour": 8, "minute": 35}
